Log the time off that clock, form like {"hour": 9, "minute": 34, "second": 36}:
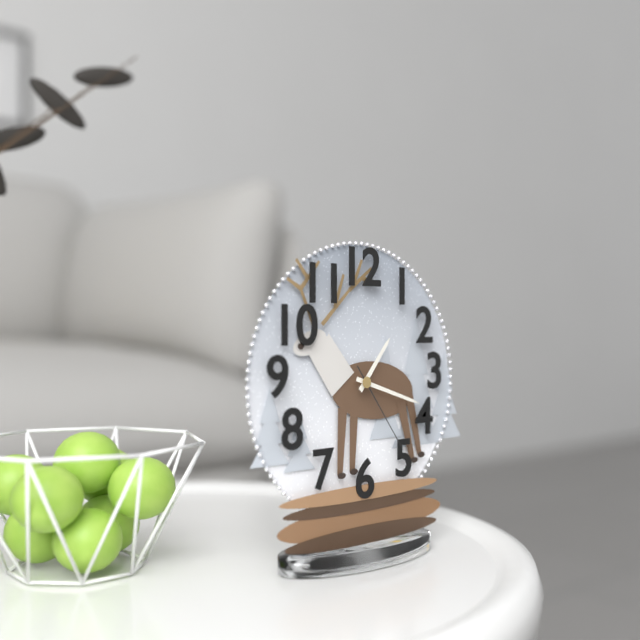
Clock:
{"hour": 1, "minute": 18, "second": 24}
